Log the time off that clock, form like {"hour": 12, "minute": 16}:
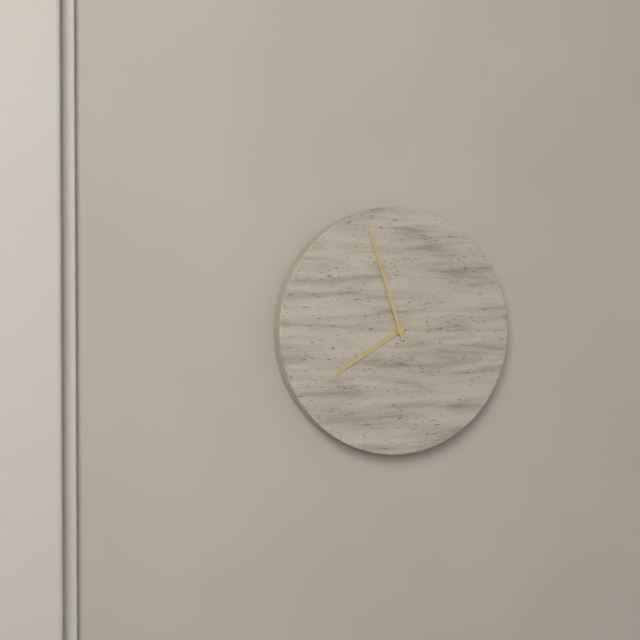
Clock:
{"hour": 7, "minute": 57}
